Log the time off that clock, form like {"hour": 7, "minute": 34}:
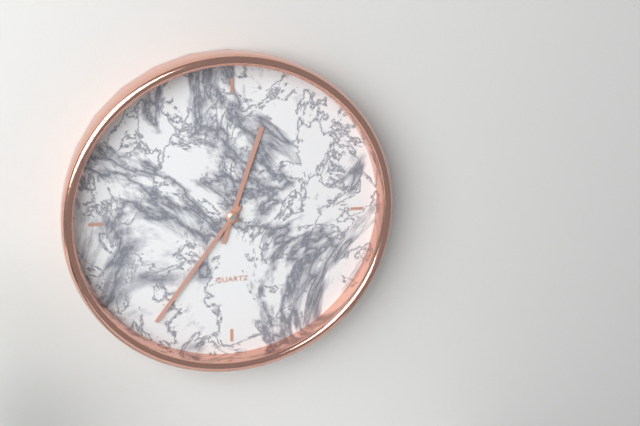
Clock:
{"hour": 12, "minute": 36}
